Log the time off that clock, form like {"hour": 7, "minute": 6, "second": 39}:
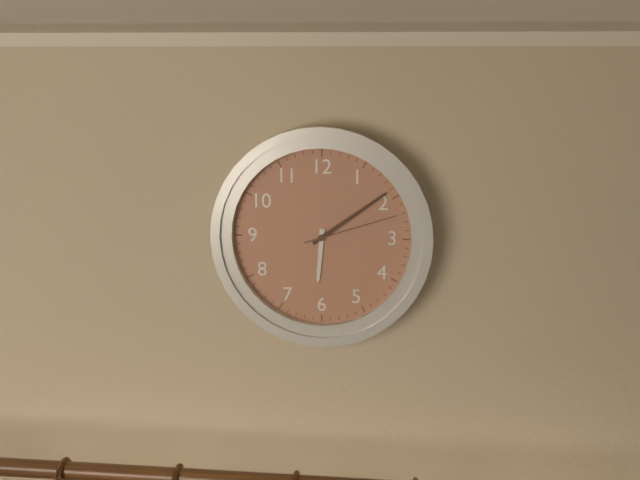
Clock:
{"hour": 6, "minute": 9, "second": 12}
